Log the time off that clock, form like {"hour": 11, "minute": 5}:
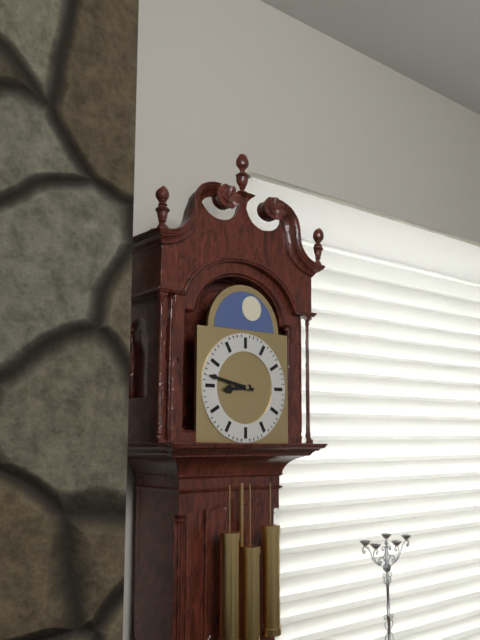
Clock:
{"hour": 8, "minute": 47}
